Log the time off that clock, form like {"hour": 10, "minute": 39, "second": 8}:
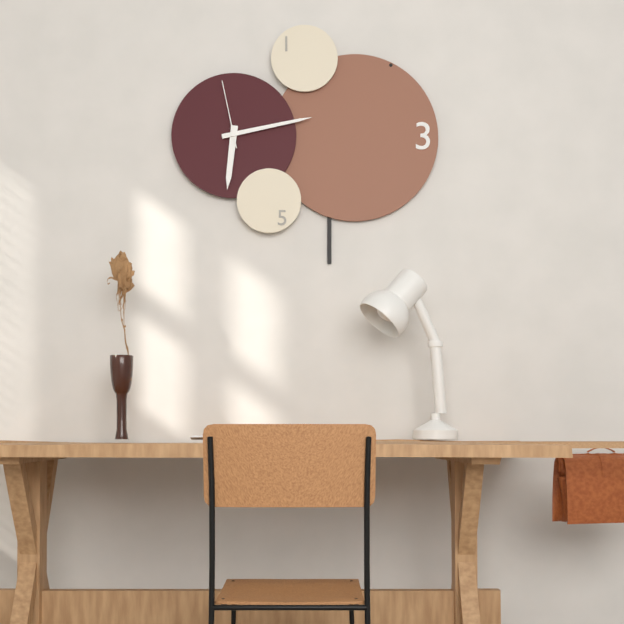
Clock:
{"hour": 6, "minute": 13, "second": 58}
